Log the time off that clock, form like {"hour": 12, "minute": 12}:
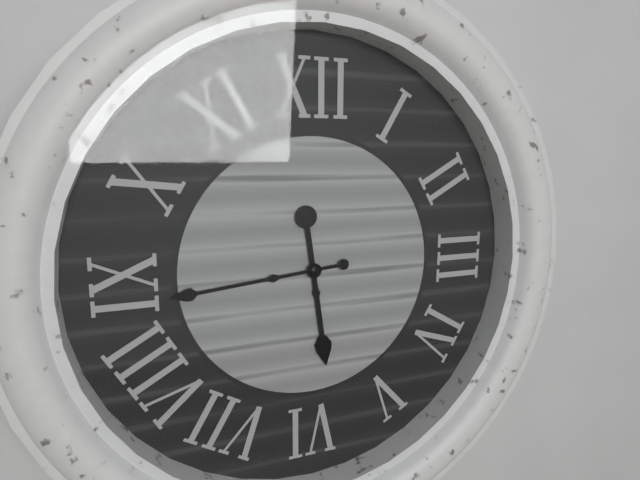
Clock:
{"hour": 5, "minute": 44}
